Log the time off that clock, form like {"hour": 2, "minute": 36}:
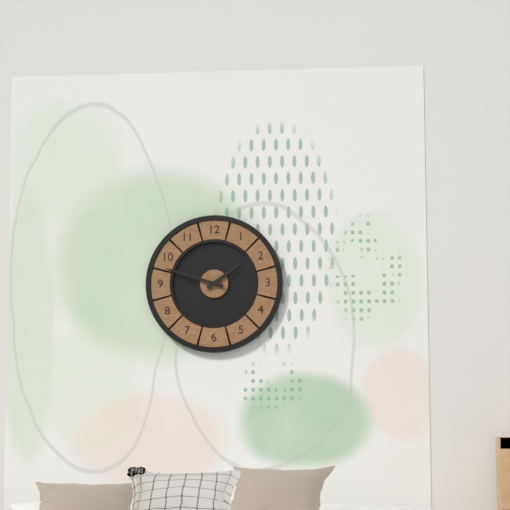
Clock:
{"hour": 1, "minute": 48}
